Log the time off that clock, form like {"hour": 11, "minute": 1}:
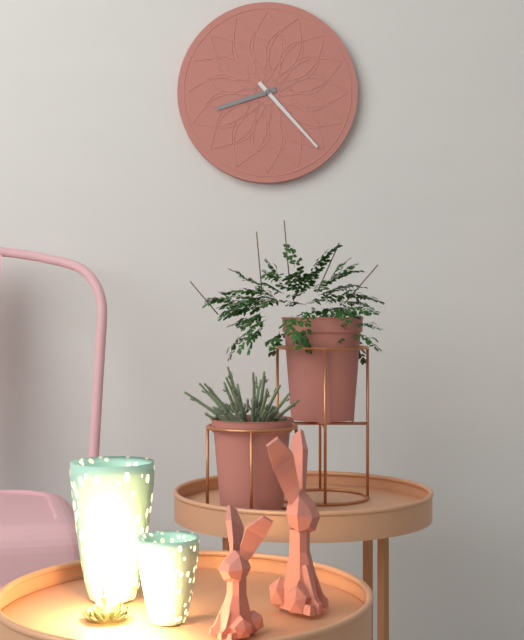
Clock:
{"hour": 8, "minute": 23}
